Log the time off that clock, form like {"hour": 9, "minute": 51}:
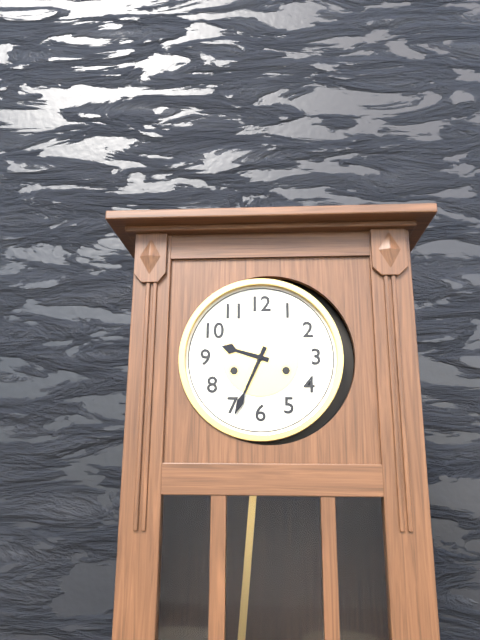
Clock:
{"hour": 9, "minute": 34}
